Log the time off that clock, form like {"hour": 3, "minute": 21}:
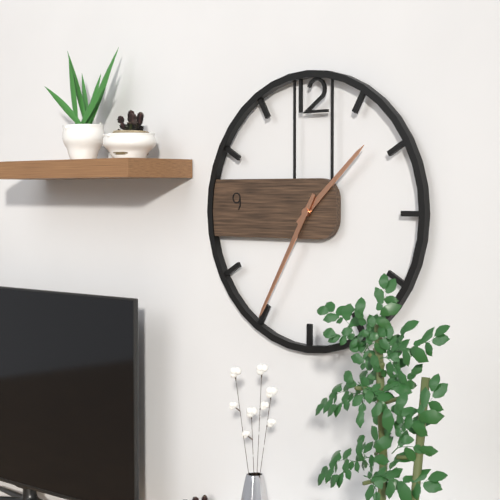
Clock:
{"hour": 1, "minute": 35}
